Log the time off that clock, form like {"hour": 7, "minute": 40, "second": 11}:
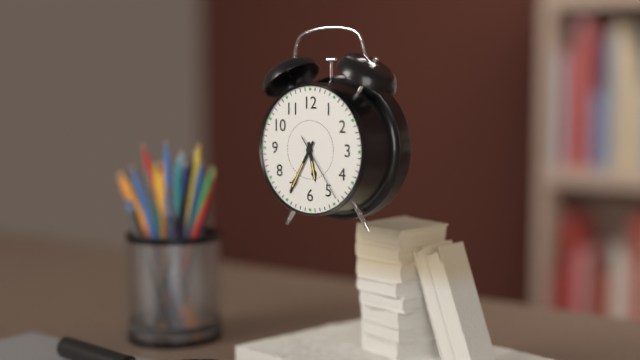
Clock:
{"hour": 5, "minute": 35, "second": 24}
